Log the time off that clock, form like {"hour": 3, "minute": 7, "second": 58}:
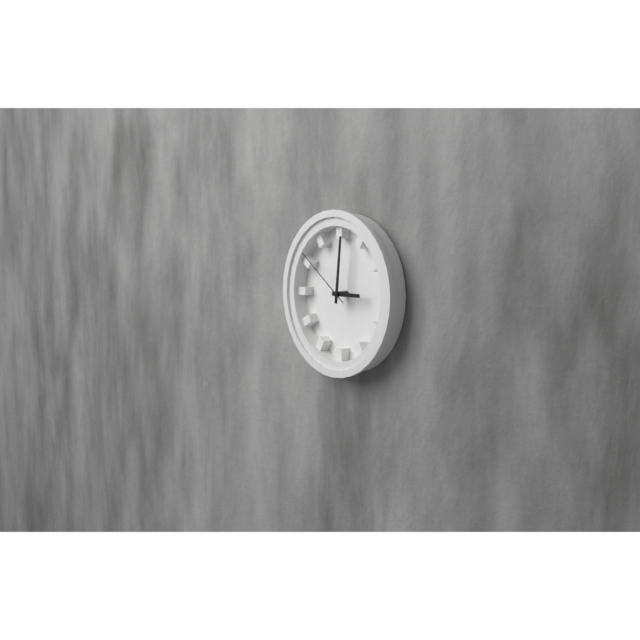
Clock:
{"hour": 3, "minute": 1, "second": 51}
